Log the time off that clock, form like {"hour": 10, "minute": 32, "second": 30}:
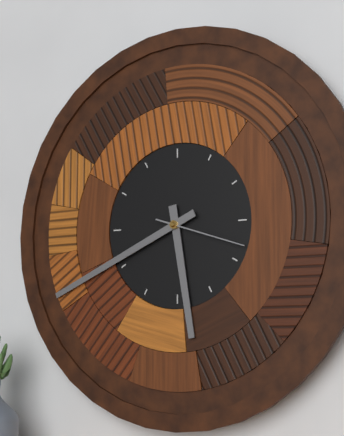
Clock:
{"hour": 5, "minute": 41, "second": 18}
